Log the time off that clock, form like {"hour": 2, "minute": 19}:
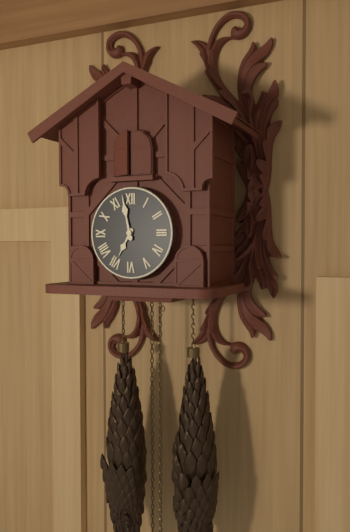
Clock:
{"hour": 6, "minute": 58}
